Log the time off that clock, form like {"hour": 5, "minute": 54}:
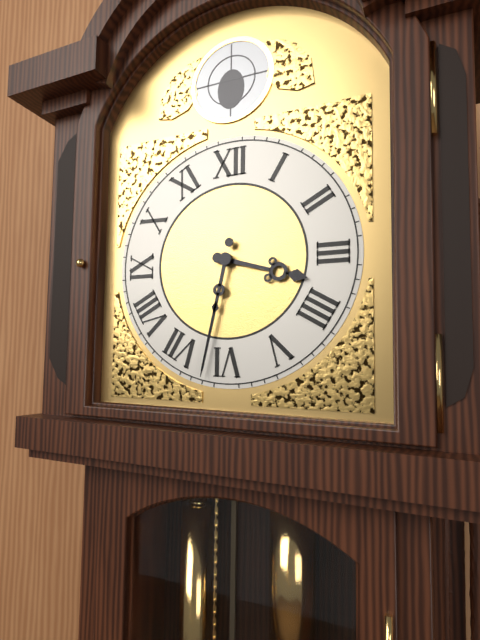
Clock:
{"hour": 3, "minute": 32}
